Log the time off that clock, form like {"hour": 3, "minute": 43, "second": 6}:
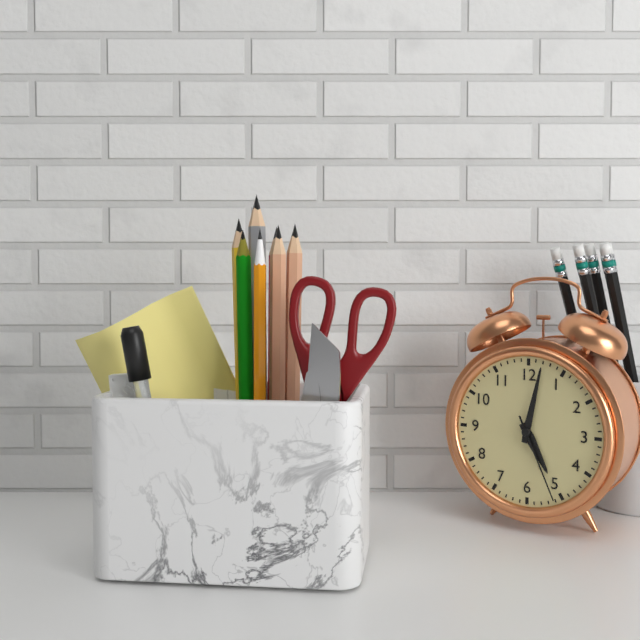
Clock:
{"hour": 5, "minute": 2, "second": 26}
